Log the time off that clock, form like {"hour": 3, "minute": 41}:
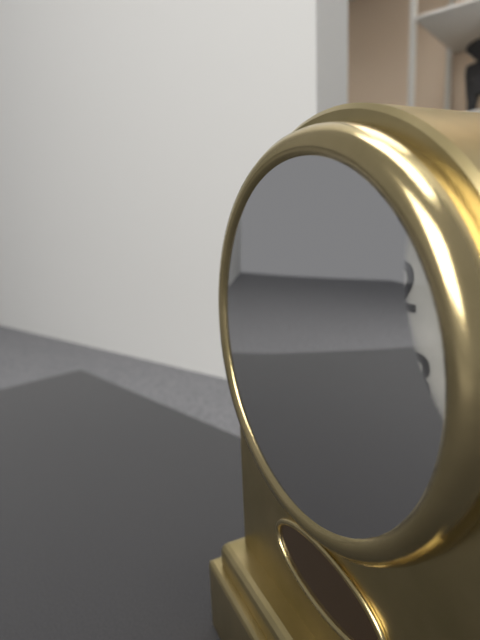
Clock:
{"hour": 11, "minute": 7}
